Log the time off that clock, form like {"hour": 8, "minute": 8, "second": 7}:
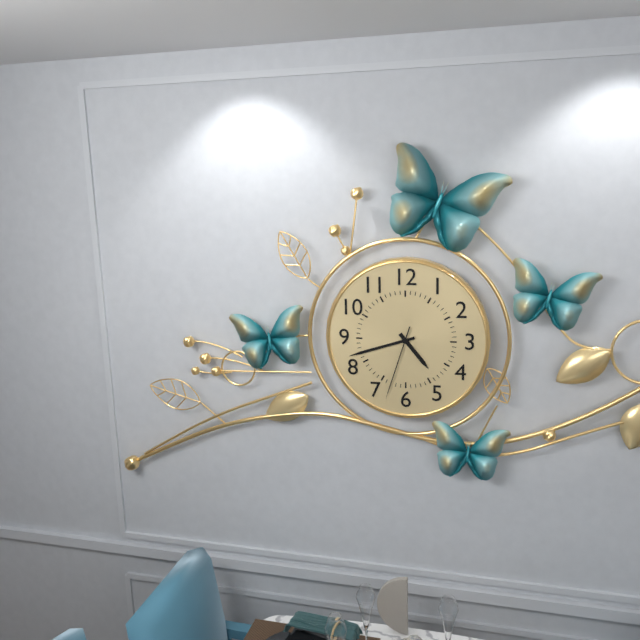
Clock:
{"hour": 4, "minute": 42, "second": 33}
